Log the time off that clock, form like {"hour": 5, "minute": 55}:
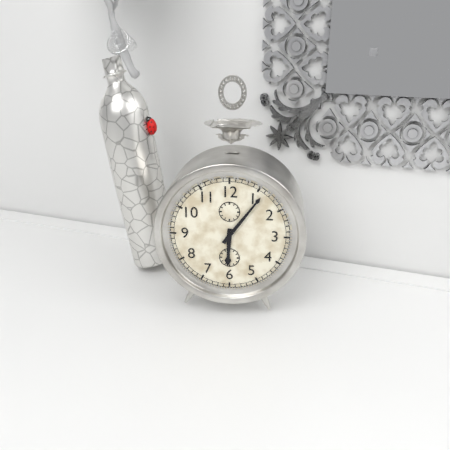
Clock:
{"hour": 6, "minute": 6}
